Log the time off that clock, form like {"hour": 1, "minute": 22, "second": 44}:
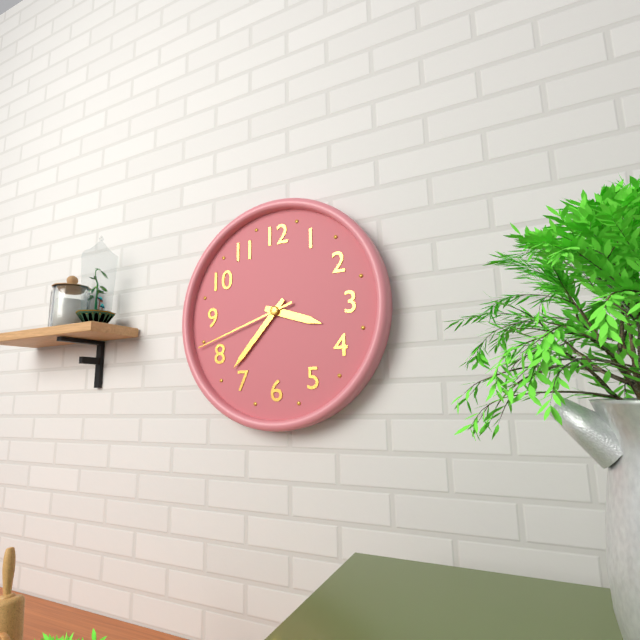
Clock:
{"hour": 3, "minute": 37, "second": 42}
